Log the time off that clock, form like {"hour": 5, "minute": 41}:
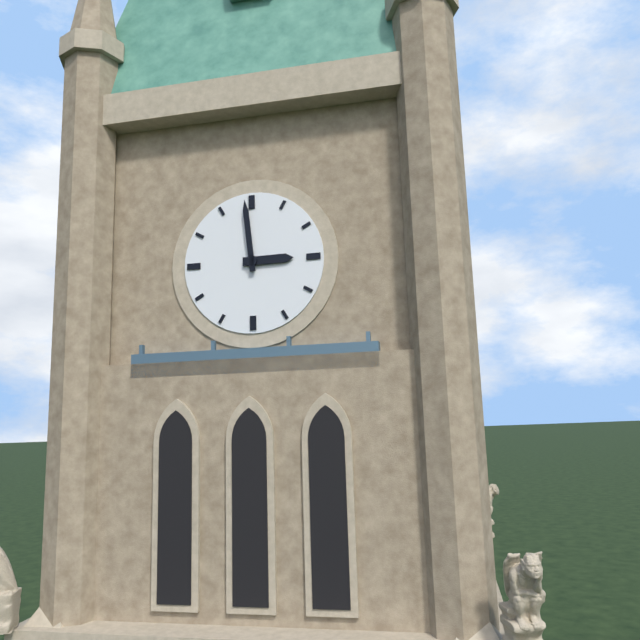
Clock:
{"hour": 2, "minute": 59}
